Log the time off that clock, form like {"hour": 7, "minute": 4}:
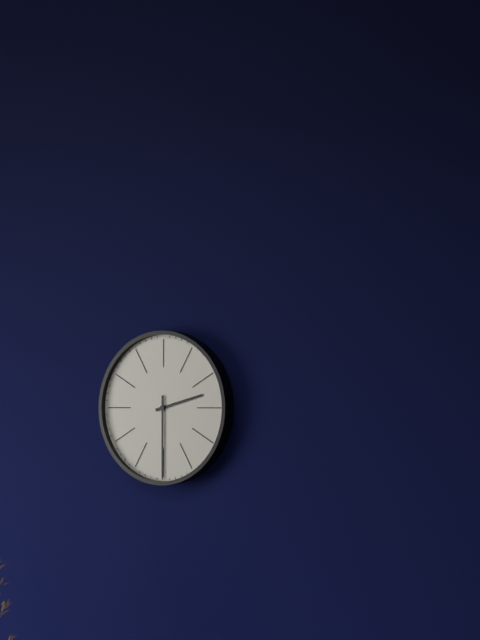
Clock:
{"hour": 2, "minute": 30}
